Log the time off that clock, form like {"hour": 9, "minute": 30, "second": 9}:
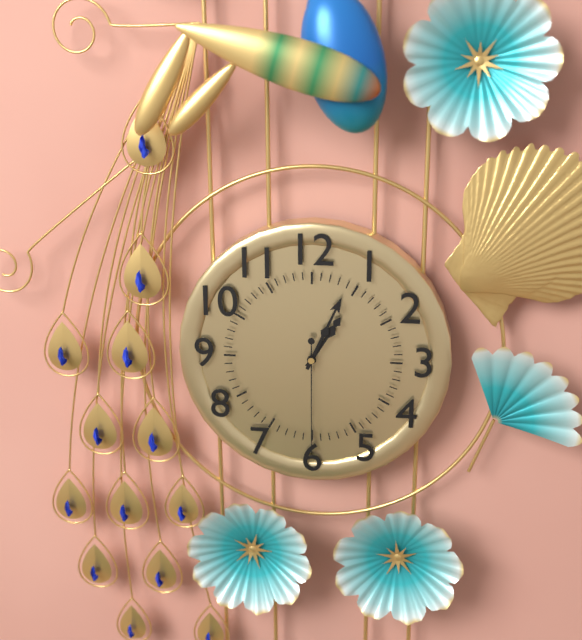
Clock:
{"hour": 1, "minute": 4, "second": 30}
